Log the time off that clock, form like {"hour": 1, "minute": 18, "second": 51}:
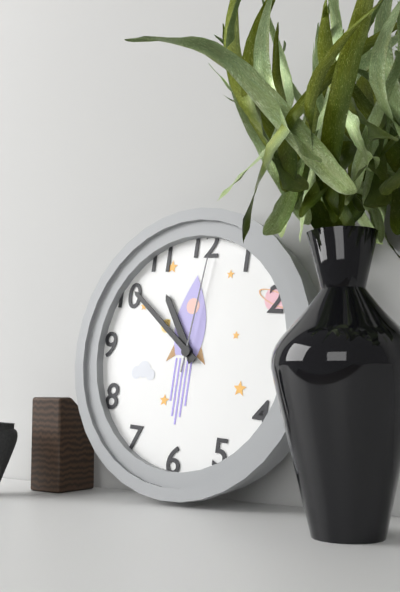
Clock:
{"hour": 10, "minute": 51, "second": 1}
